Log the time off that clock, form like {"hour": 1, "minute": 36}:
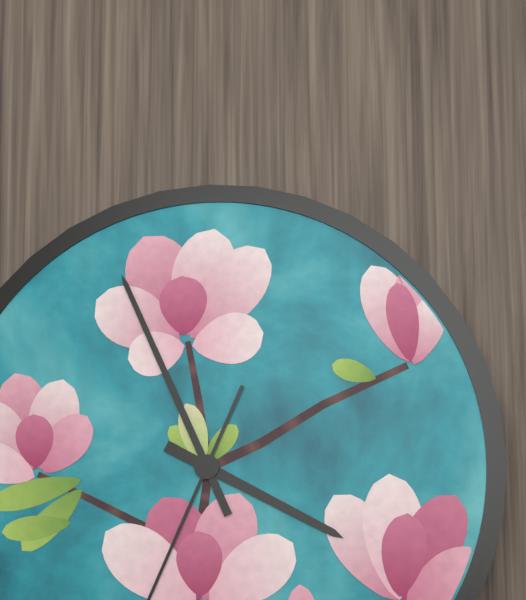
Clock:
{"hour": 3, "minute": 56}
